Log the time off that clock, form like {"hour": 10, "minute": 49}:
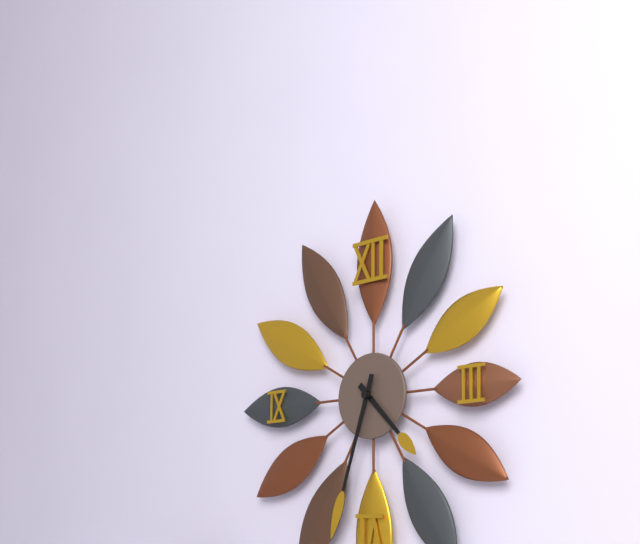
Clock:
{"hour": 4, "minute": 33}
